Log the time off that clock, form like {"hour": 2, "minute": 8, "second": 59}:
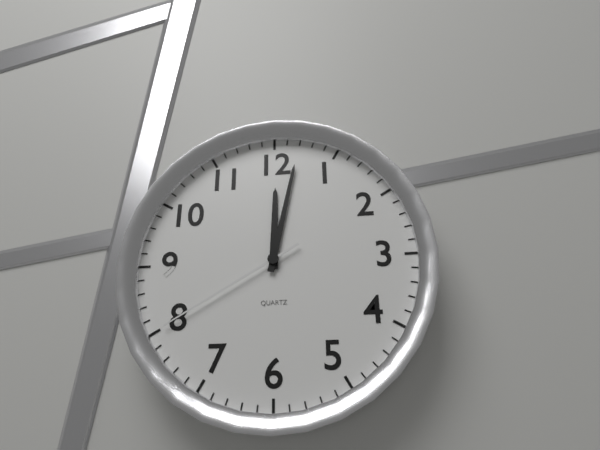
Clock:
{"hour": 12, "minute": 2, "second": 40}
